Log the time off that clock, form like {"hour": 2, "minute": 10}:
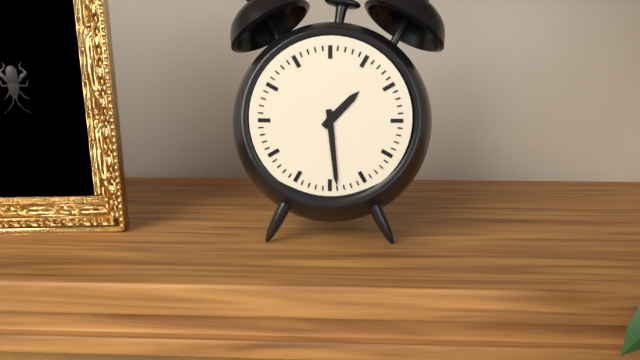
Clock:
{"hour": 1, "minute": 29}
